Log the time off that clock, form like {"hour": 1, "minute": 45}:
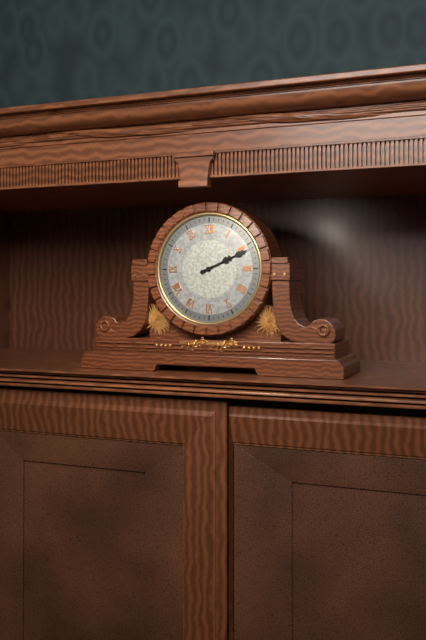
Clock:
{"hour": 2, "minute": 11}
